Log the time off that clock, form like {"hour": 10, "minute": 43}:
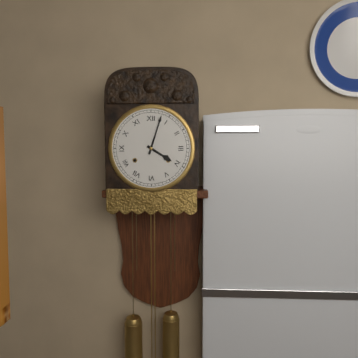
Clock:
{"hour": 4, "minute": 3}
